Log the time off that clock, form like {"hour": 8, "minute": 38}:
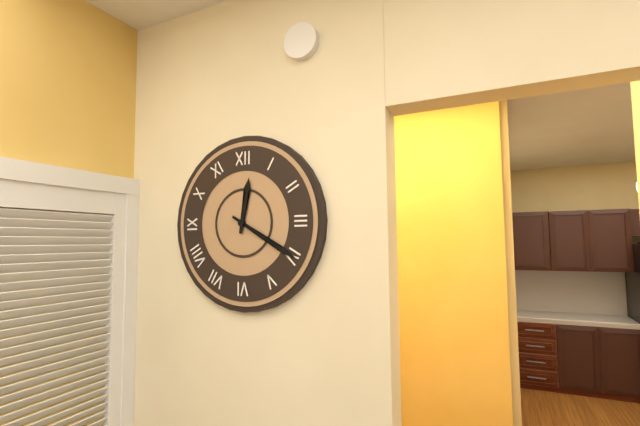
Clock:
{"hour": 12, "minute": 20}
